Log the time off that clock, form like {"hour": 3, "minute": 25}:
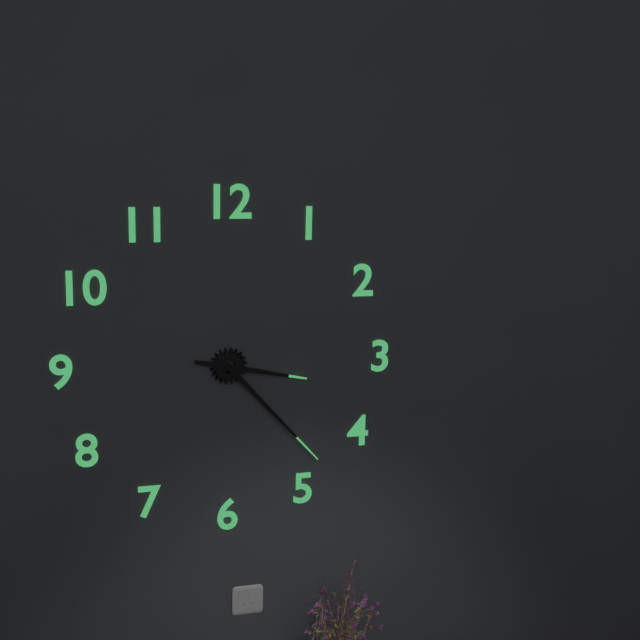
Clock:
{"hour": 3, "minute": 23}
